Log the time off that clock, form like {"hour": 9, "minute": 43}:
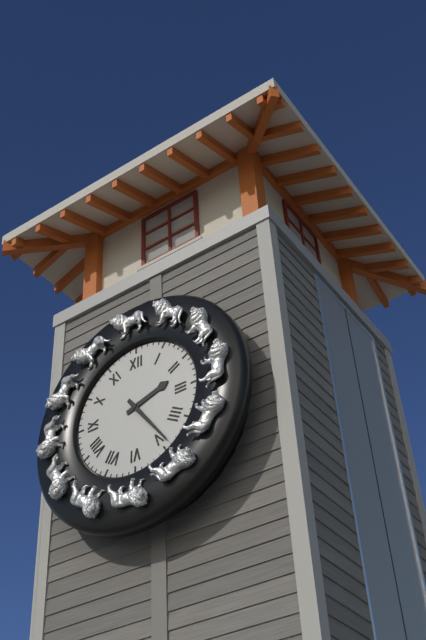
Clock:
{"hour": 2, "minute": 24}
